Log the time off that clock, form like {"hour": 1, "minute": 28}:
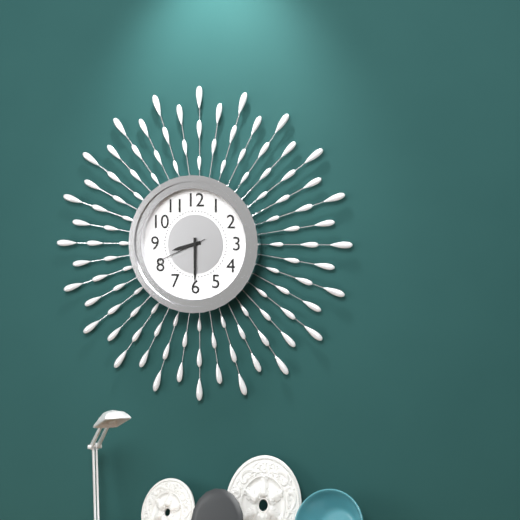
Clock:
{"hour": 8, "minute": 30}
